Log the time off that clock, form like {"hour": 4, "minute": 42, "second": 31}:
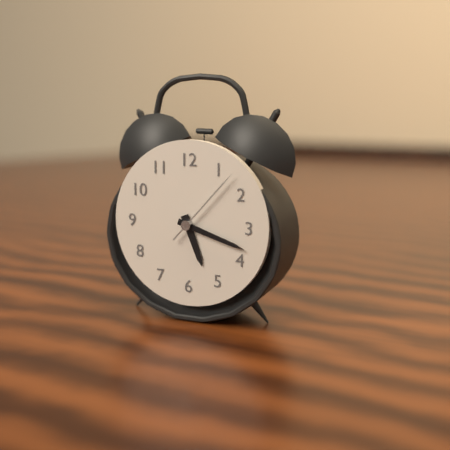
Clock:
{"hour": 5, "minute": 18, "second": 7}
